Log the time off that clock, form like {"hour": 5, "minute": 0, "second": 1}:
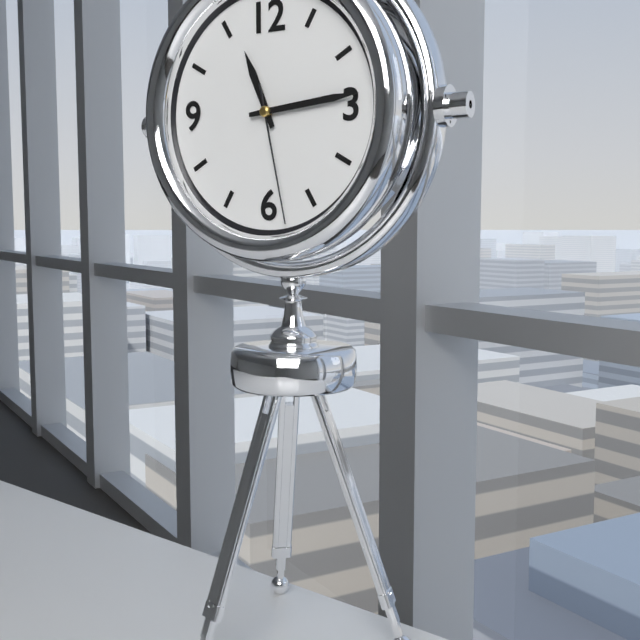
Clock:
{"hour": 11, "minute": 14, "second": 28}
